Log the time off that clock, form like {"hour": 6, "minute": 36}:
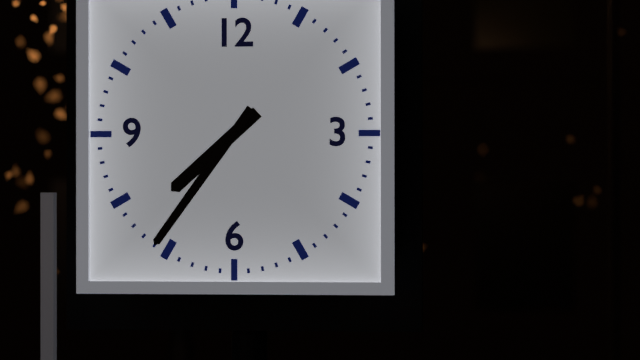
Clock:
{"hour": 7, "minute": 36}
